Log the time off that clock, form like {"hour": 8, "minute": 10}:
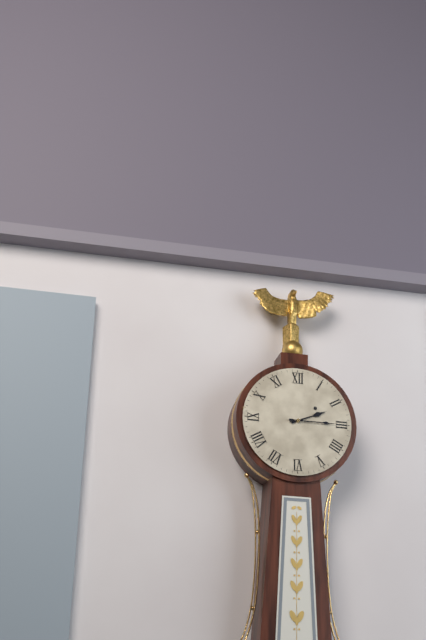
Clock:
{"hour": 2, "minute": 15}
